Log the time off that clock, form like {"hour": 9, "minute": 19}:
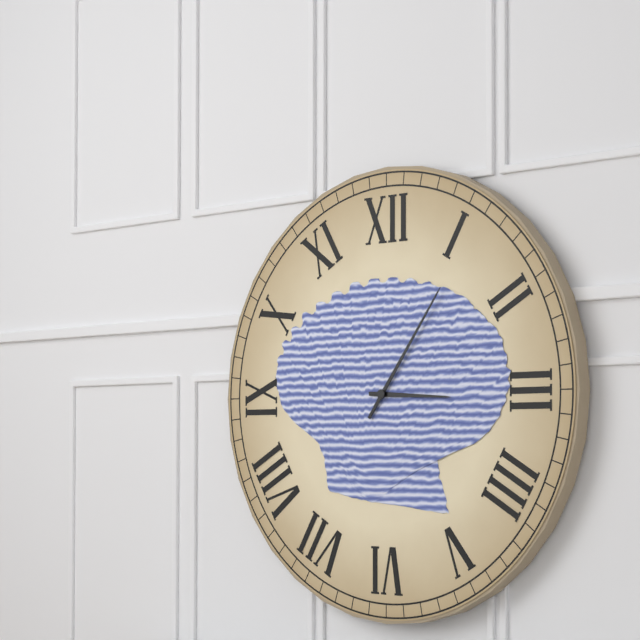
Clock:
{"hour": 3, "minute": 6}
